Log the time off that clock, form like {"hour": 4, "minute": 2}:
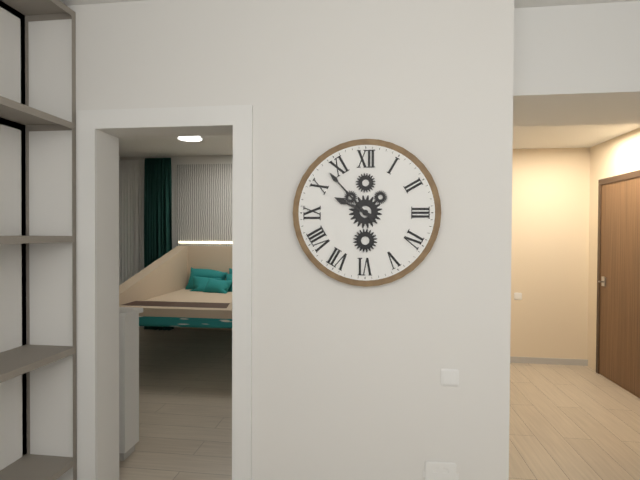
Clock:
{"hour": 9, "minute": 53}
